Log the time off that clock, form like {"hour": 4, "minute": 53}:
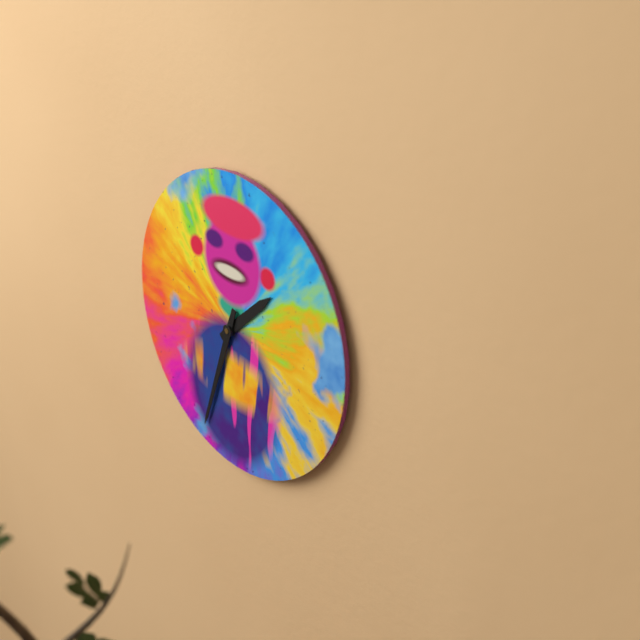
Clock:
{"hour": 1, "minute": 33}
